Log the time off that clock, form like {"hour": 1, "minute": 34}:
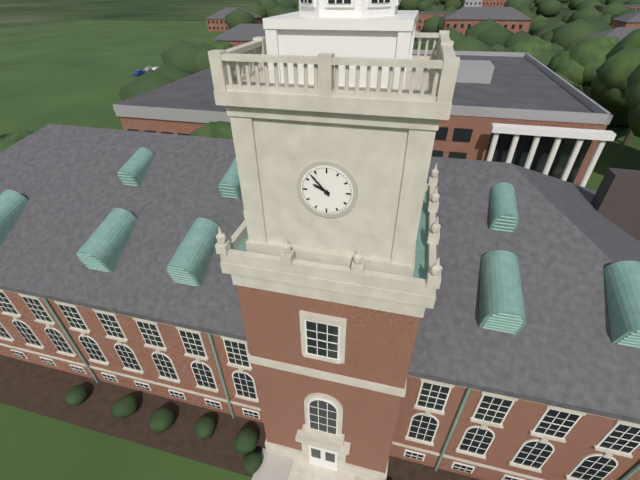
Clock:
{"hour": 9, "minute": 53}
